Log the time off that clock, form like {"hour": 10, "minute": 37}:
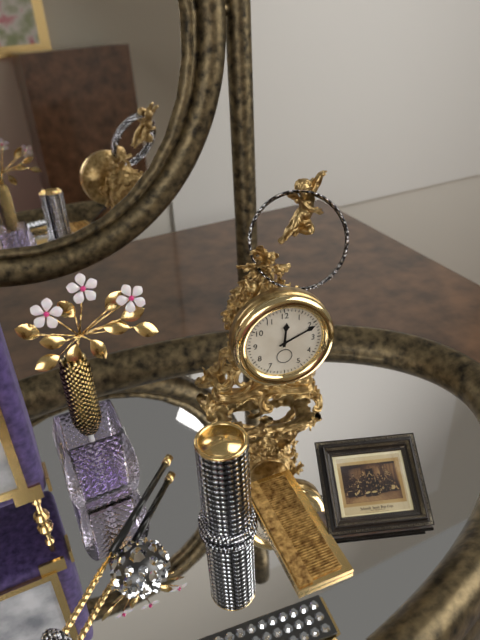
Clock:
{"hour": 12, "minute": 11}
